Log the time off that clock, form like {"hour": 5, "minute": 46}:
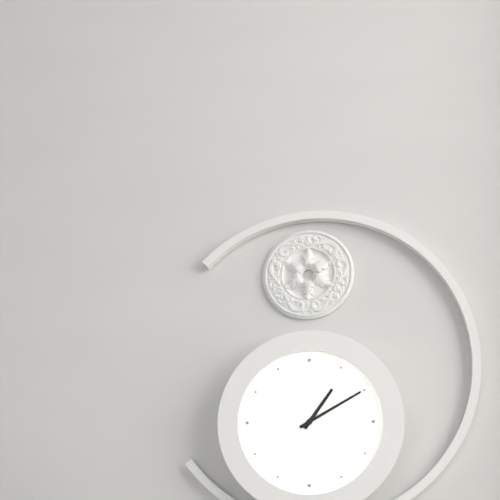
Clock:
{"hour": 1, "minute": 10}
